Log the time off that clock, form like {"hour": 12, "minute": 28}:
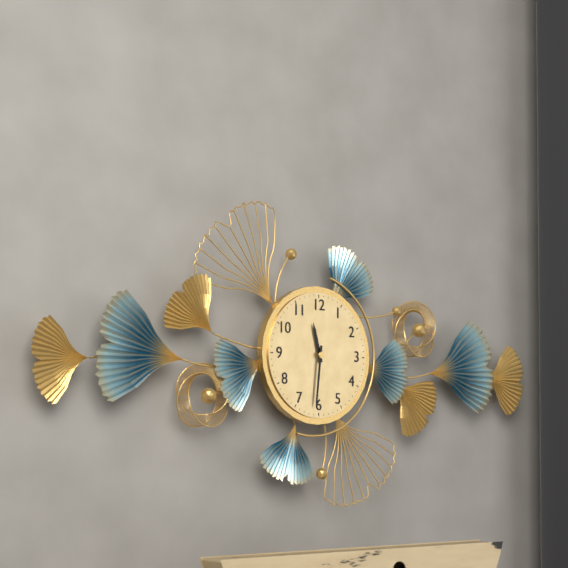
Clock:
{"hour": 11, "minute": 31}
